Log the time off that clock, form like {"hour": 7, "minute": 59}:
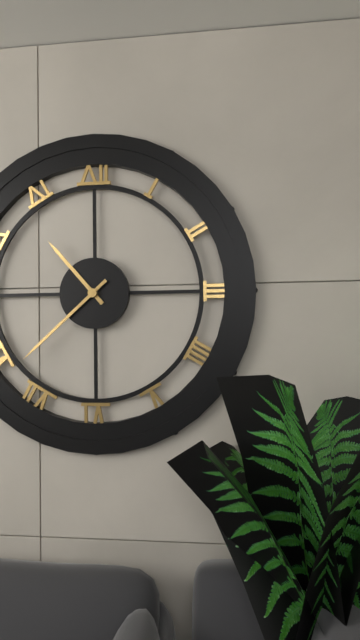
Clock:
{"hour": 10, "minute": 38}
